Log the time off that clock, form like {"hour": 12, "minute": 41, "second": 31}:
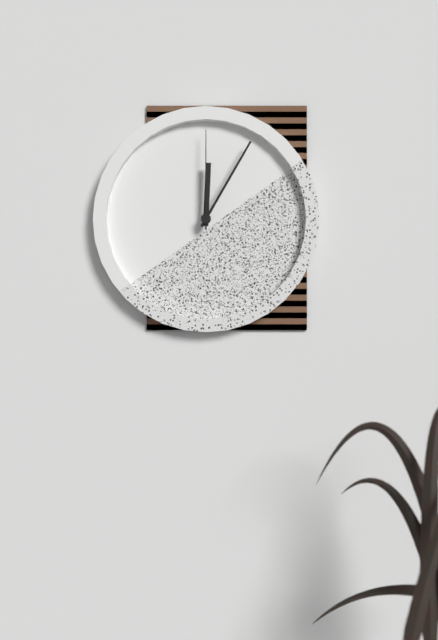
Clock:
{"hour": 12, "minute": 5, "second": 0}
